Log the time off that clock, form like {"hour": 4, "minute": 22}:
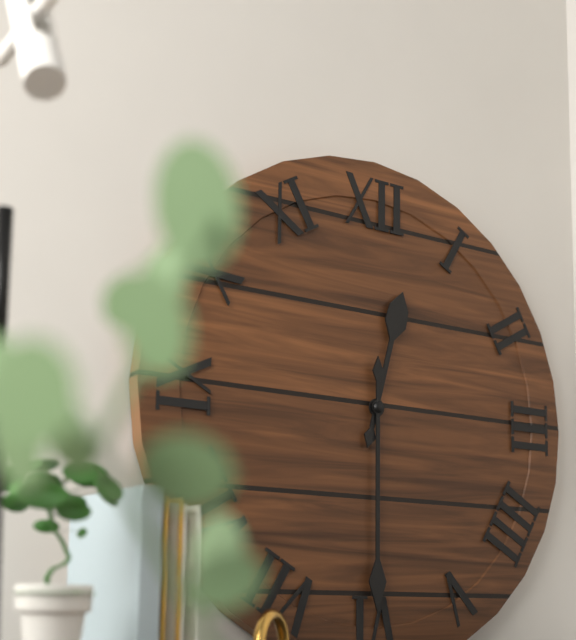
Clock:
{"hour": 12, "minute": 30}
